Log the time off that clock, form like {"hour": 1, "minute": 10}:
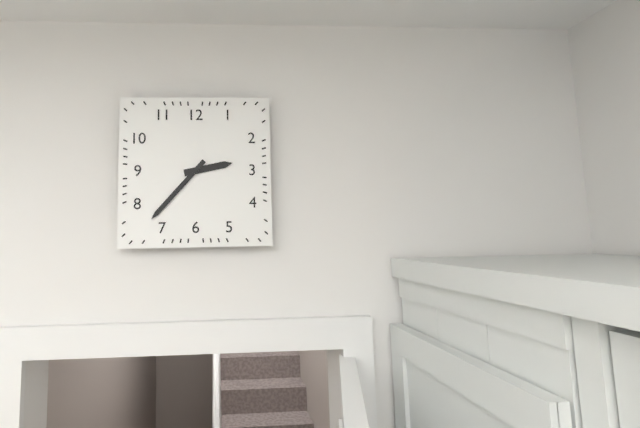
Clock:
{"hour": 2, "minute": 37}
